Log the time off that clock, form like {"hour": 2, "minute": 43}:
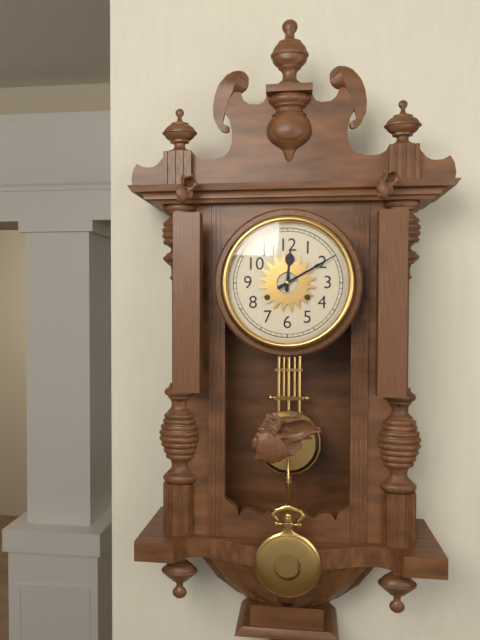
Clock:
{"hour": 12, "minute": 10}
